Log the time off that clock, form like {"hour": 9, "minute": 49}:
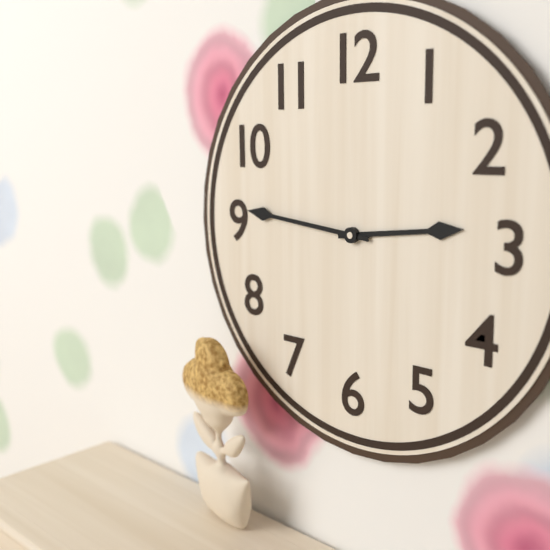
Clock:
{"hour": 2, "minute": 46}
